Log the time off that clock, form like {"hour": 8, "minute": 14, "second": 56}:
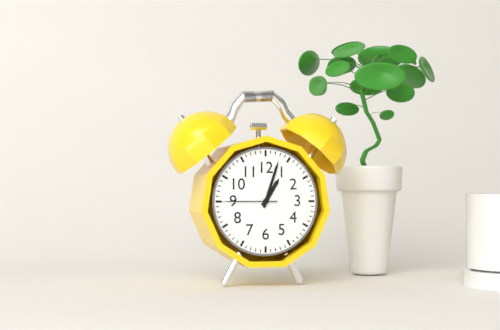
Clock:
{"hour": 1, "minute": 3, "second": 45}
